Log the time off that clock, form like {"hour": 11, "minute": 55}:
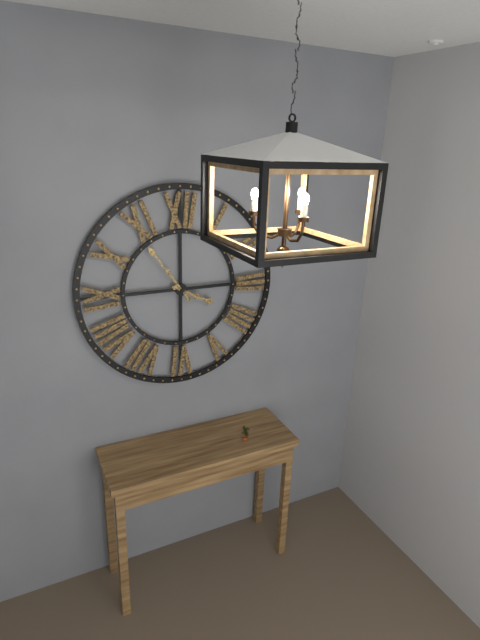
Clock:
{"hour": 3, "minute": 54}
